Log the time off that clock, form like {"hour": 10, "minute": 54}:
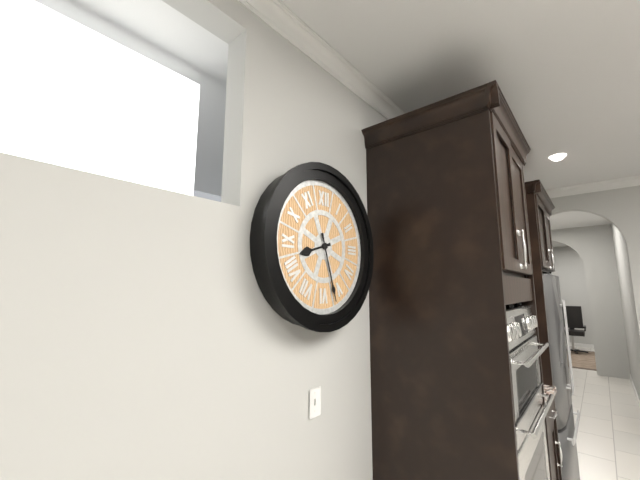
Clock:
{"hour": 8, "minute": 27}
